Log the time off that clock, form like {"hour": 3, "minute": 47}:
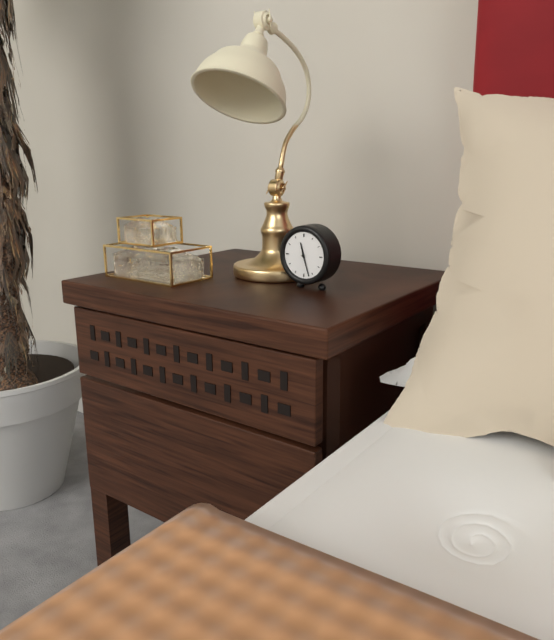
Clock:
{"hour": 11, "minute": 27}
